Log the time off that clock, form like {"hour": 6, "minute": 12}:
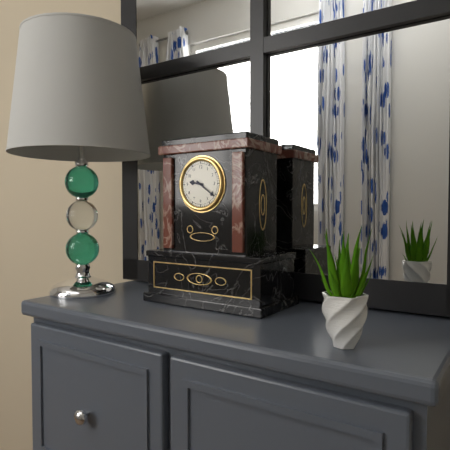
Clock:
{"hour": 9, "minute": 21}
